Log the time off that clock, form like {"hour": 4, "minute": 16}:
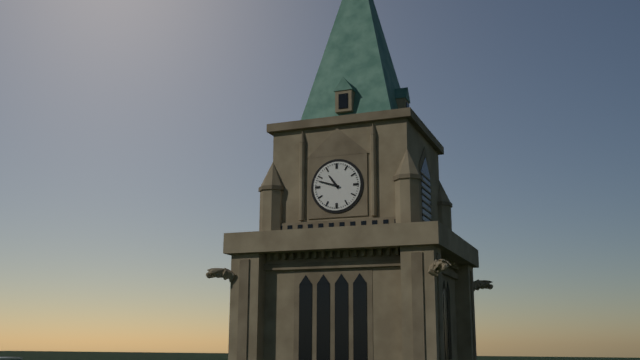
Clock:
{"hour": 10, "minute": 48}
